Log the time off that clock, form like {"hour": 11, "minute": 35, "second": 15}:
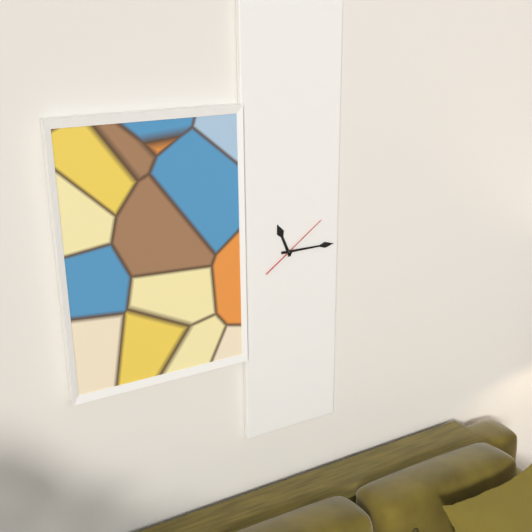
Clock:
{"hour": 11, "minute": 15, "second": 9}
